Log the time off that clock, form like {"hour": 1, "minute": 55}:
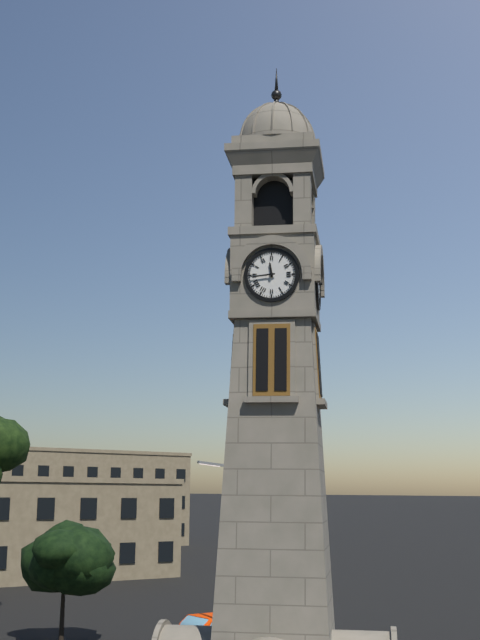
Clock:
{"hour": 11, "minute": 44}
